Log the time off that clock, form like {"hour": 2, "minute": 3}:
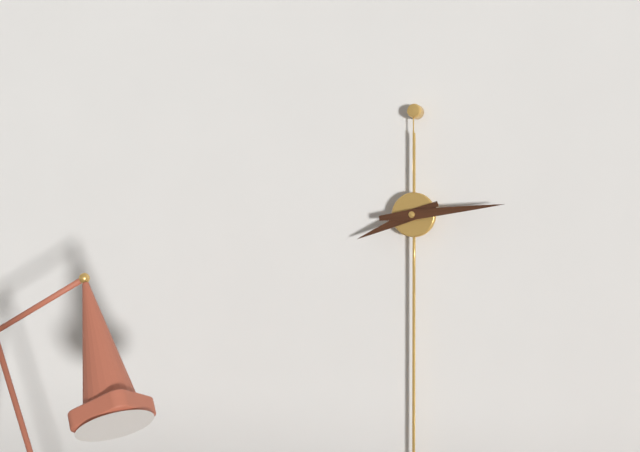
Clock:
{"hour": 8, "minute": 14}
